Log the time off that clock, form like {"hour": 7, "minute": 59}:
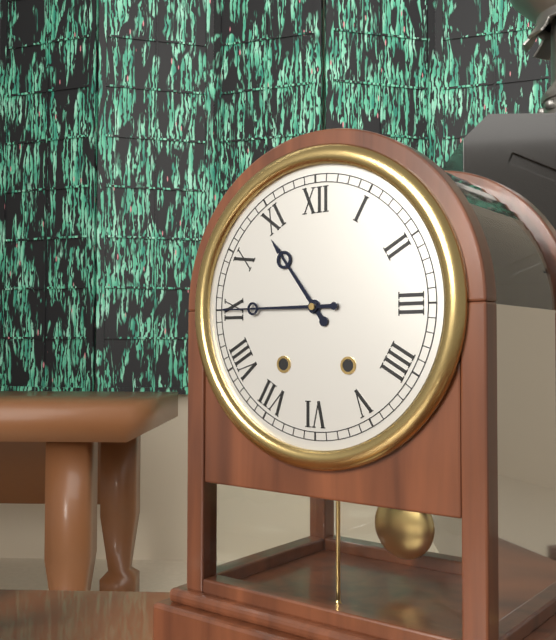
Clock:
{"hour": 10, "minute": 45}
